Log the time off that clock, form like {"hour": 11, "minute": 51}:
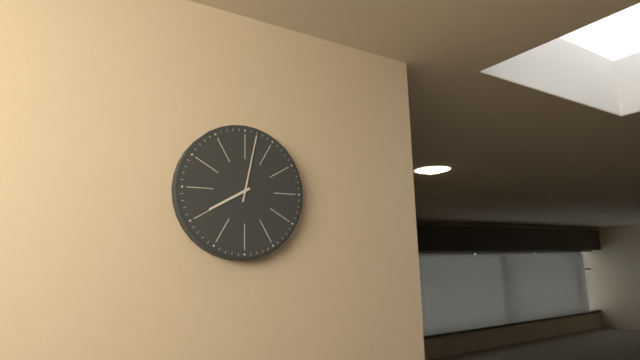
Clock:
{"hour": 8, "minute": 2}
